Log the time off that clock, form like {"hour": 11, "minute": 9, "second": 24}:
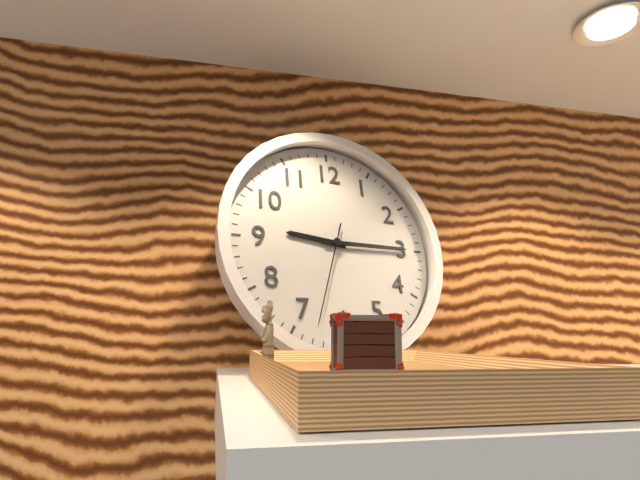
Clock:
{"hour": 9, "minute": 15, "second": 33}
